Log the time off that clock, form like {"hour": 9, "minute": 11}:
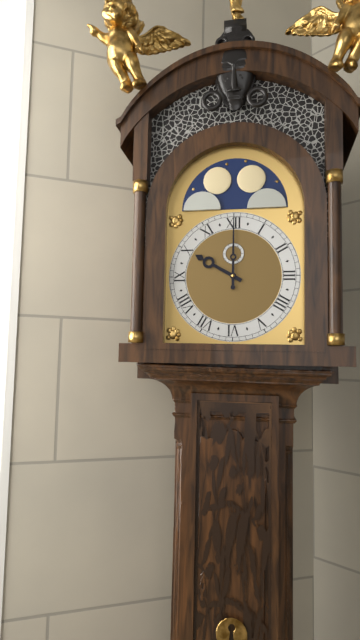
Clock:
{"hour": 10, "minute": 0}
